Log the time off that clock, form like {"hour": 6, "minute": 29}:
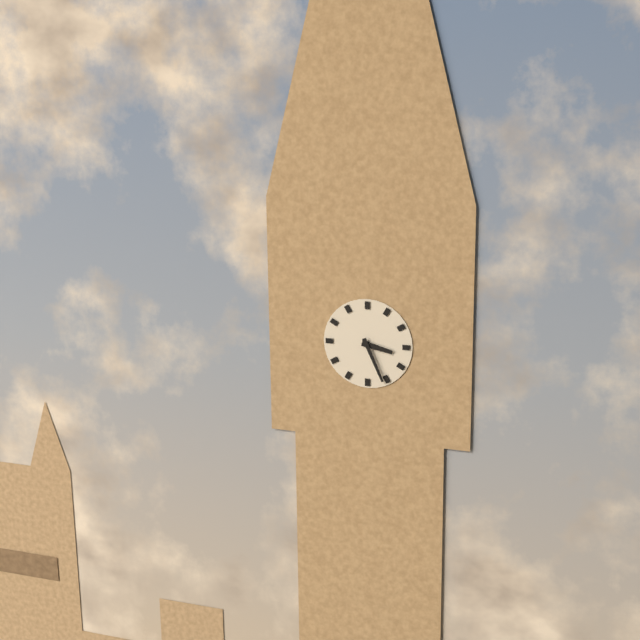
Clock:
{"hour": 3, "minute": 26}
